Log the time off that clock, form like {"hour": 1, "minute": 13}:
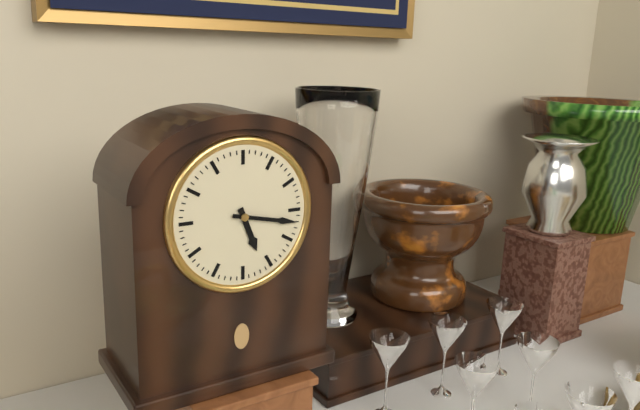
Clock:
{"hour": 5, "minute": 17}
